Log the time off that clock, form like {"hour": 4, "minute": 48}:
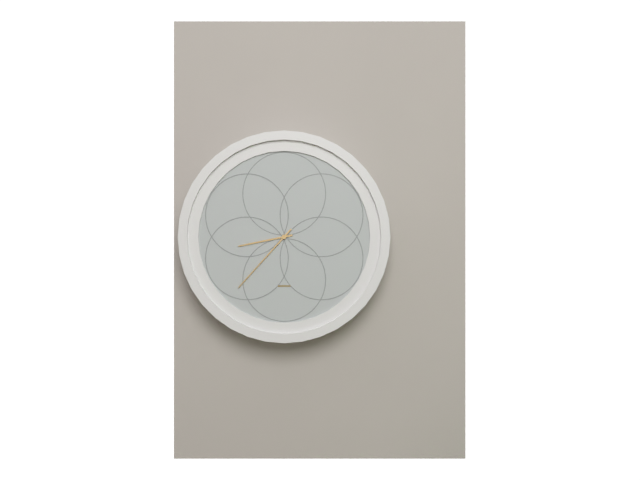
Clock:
{"hour": 8, "minute": 37}
